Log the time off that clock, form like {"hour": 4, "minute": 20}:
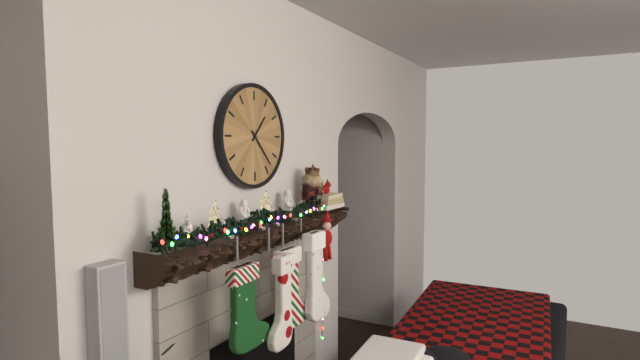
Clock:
{"hour": 1, "minute": 23}
